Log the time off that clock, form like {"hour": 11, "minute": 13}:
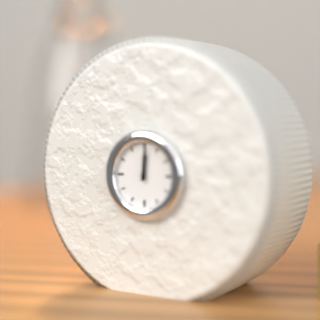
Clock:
{"hour": 12, "minute": 1}
